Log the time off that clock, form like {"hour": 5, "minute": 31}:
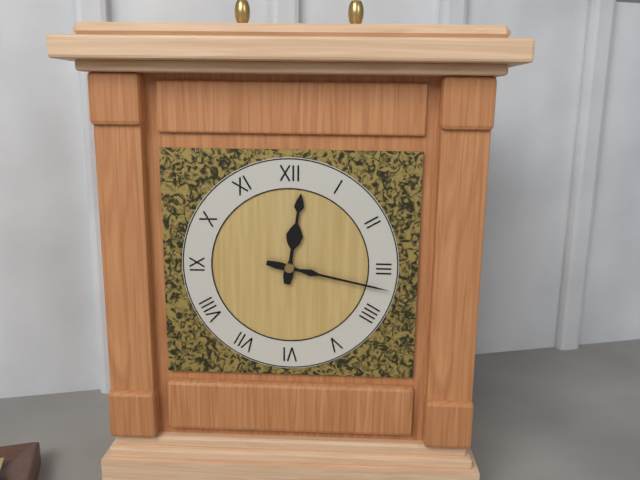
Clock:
{"hour": 12, "minute": 17}
